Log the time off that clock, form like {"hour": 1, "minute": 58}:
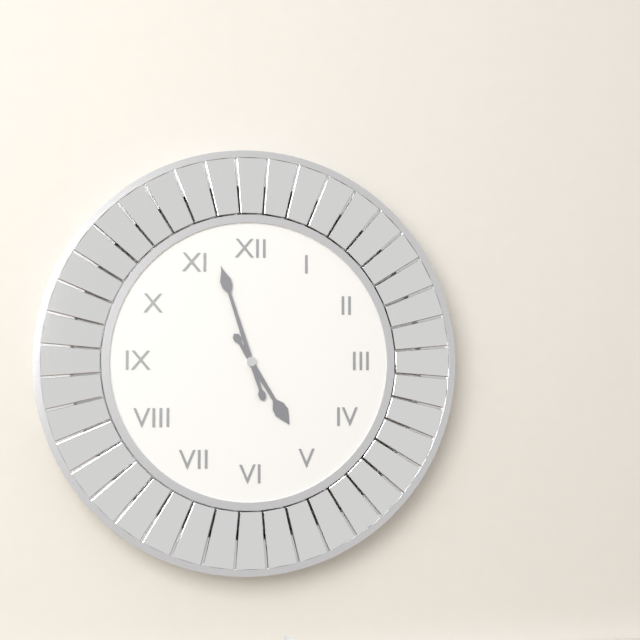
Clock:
{"hour": 4, "minute": 57}
